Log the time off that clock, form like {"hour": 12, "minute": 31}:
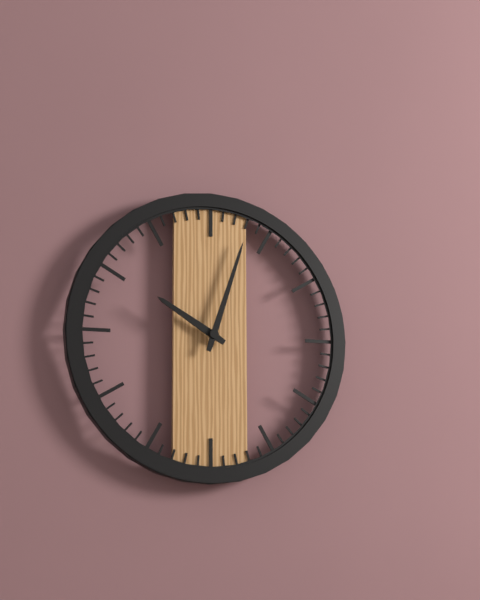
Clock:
{"hour": 10, "minute": 3}
